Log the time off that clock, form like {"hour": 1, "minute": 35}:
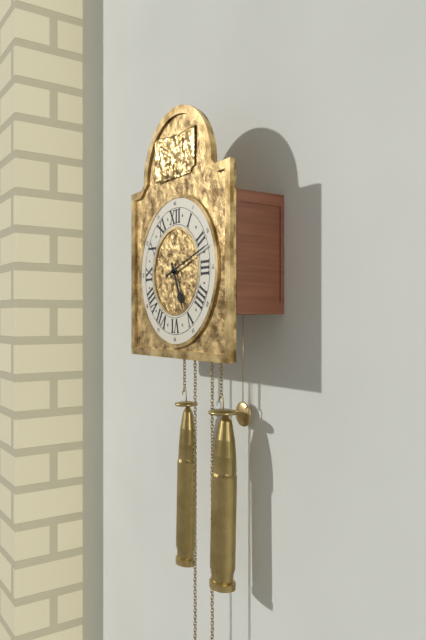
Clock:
{"hour": 5, "minute": 12}
